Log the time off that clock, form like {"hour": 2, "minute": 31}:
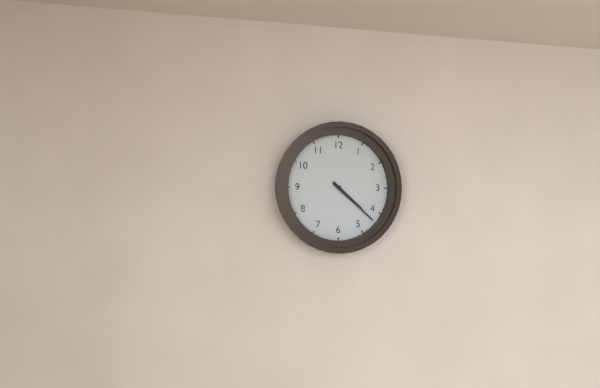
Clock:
{"hour": 4, "minute": 22}
